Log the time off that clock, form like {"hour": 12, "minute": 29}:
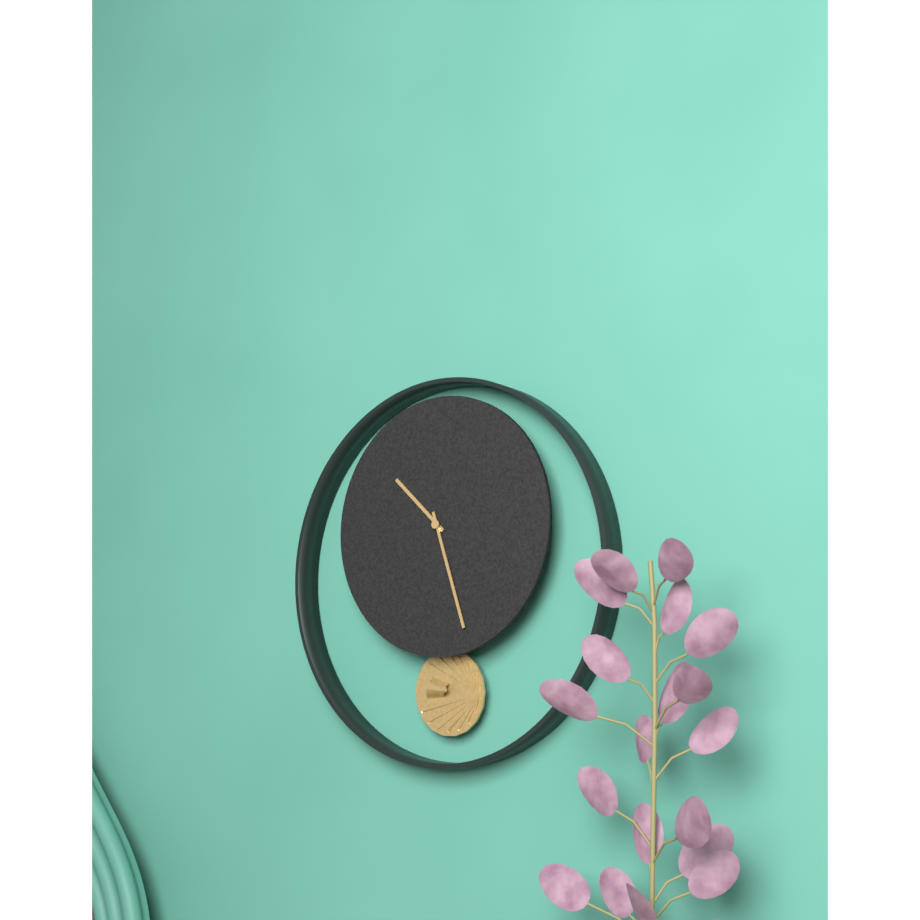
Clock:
{"hour": 10, "minute": 27}
